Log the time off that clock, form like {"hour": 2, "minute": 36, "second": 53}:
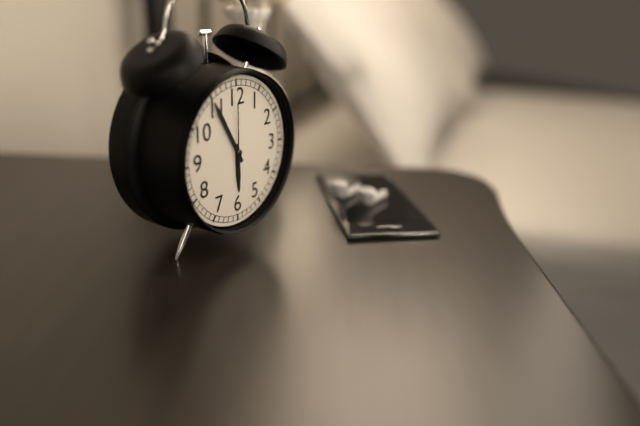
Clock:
{"hour": 5, "minute": 55, "second": 0}
